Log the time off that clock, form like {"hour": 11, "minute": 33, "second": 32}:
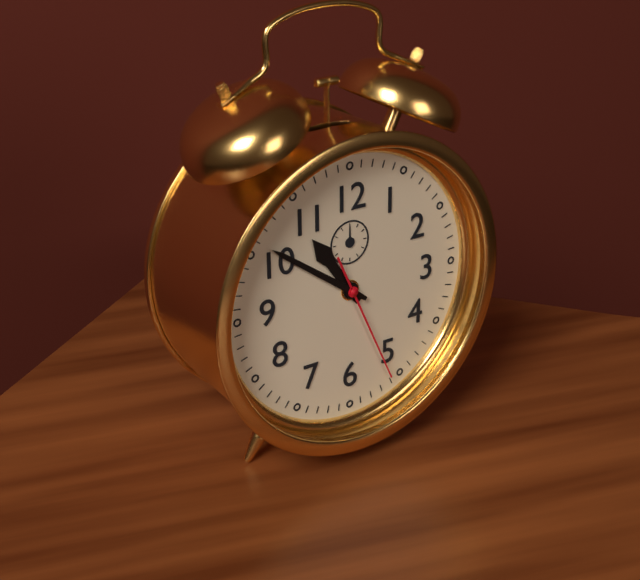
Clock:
{"hour": 10, "minute": 51, "second": 26}
